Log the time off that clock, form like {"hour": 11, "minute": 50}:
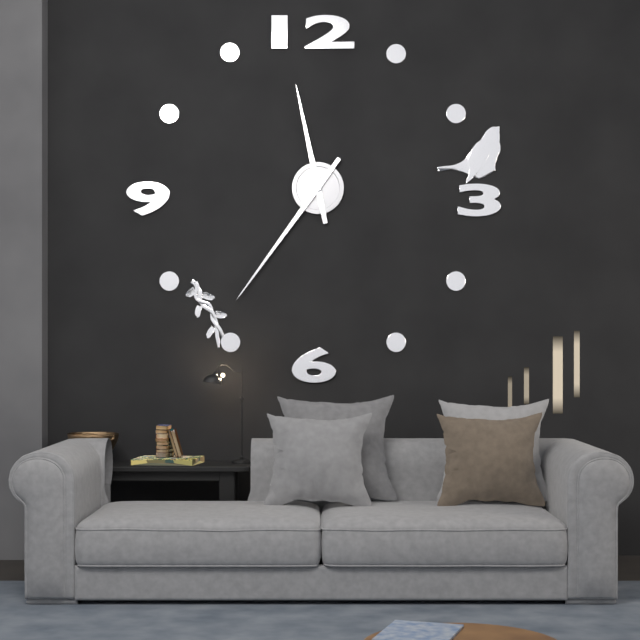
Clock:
{"hour": 11, "minute": 36}
